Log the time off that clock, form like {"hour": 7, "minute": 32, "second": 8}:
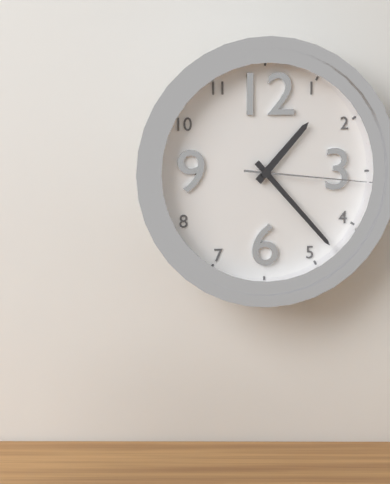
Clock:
{"hour": 1, "minute": 23, "second": 16}
